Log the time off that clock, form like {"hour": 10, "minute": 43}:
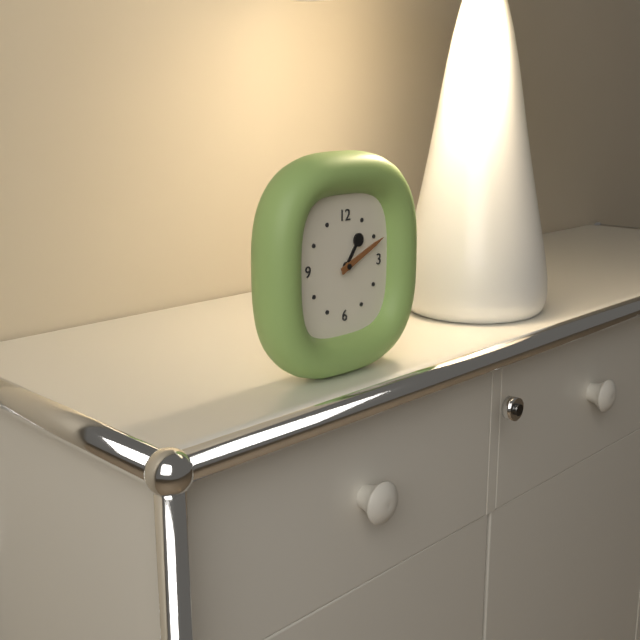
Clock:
{"hour": 1, "minute": 11}
